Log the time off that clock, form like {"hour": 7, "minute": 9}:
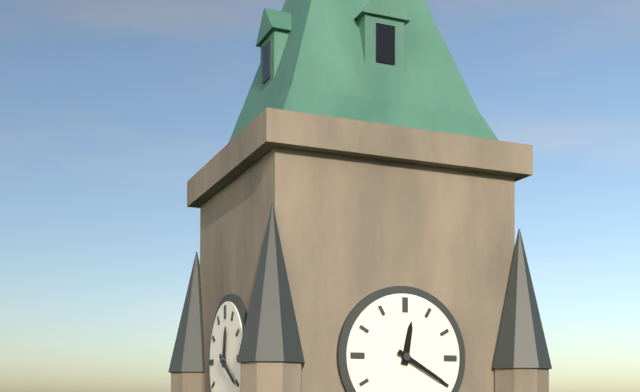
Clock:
{"hour": 12, "minute": 20}
